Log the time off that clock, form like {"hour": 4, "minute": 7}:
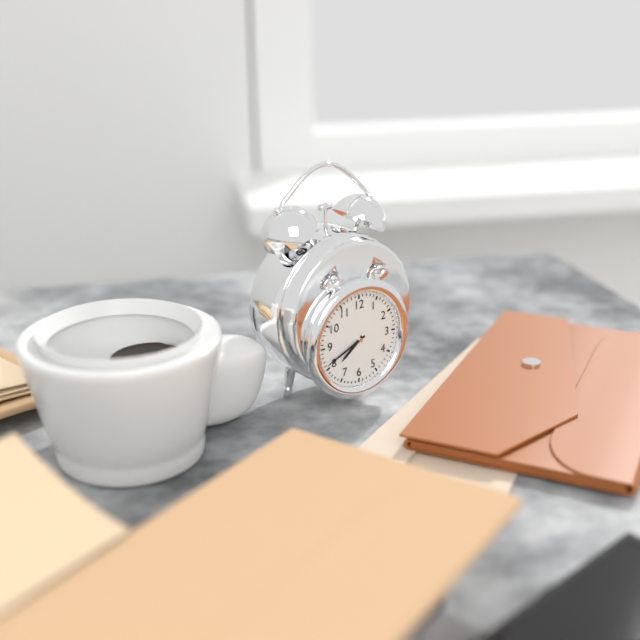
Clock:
{"hour": 7, "minute": 41}
